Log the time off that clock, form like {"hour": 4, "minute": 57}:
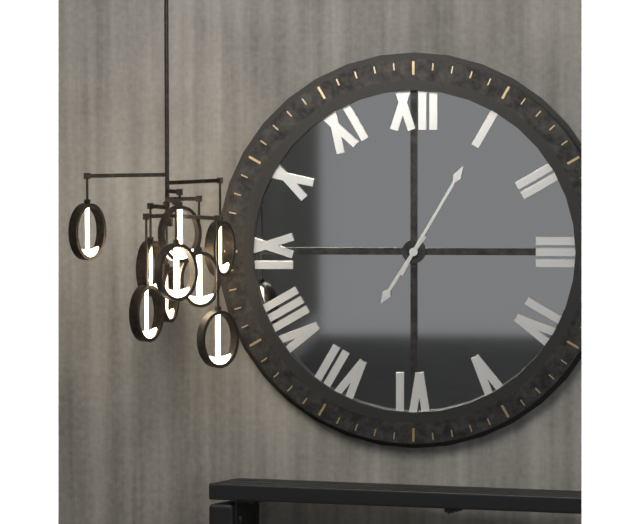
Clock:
{"hour": 7, "minute": 5}
